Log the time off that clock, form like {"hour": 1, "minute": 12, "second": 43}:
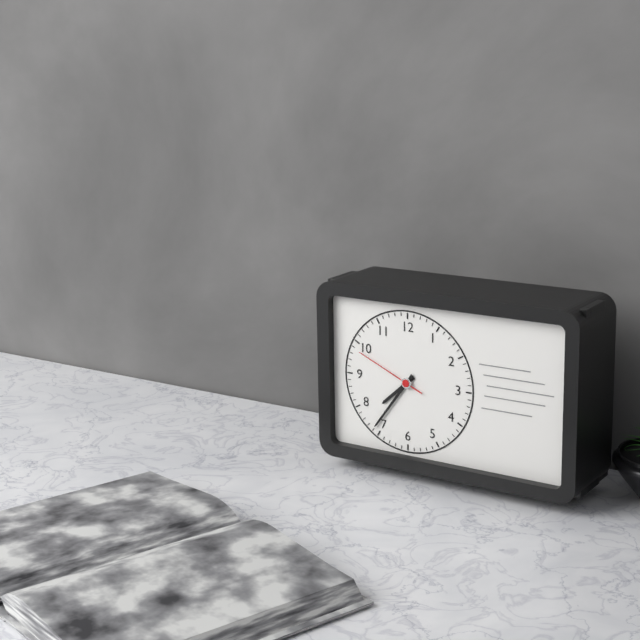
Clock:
{"hour": 7, "minute": 36, "second": 49}
